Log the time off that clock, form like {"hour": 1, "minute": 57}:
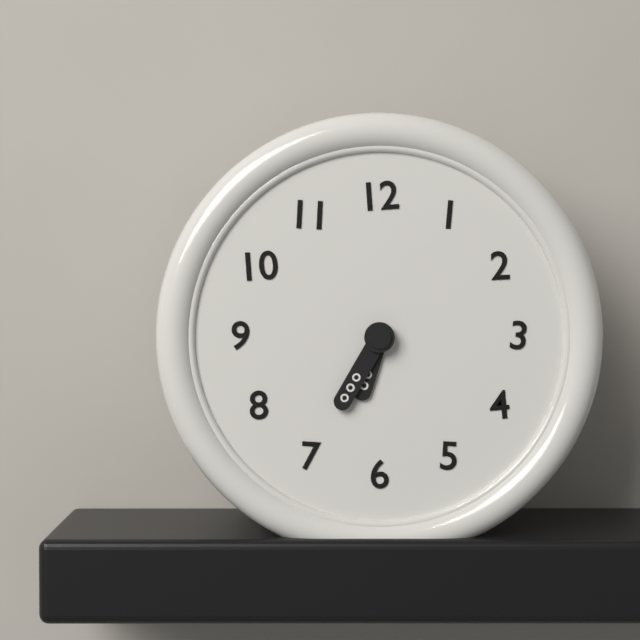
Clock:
{"hour": 6, "minute": 35}
